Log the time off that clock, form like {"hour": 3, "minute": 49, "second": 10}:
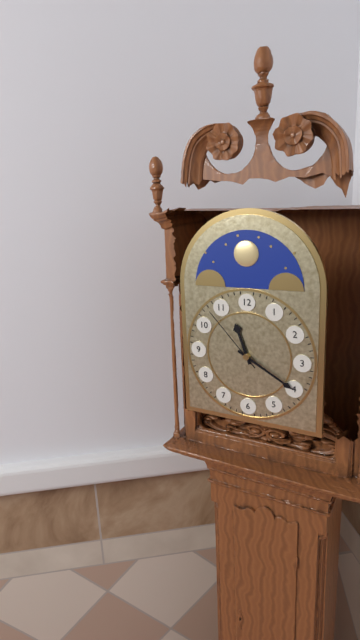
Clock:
{"hour": 11, "minute": 20, "second": 53}
